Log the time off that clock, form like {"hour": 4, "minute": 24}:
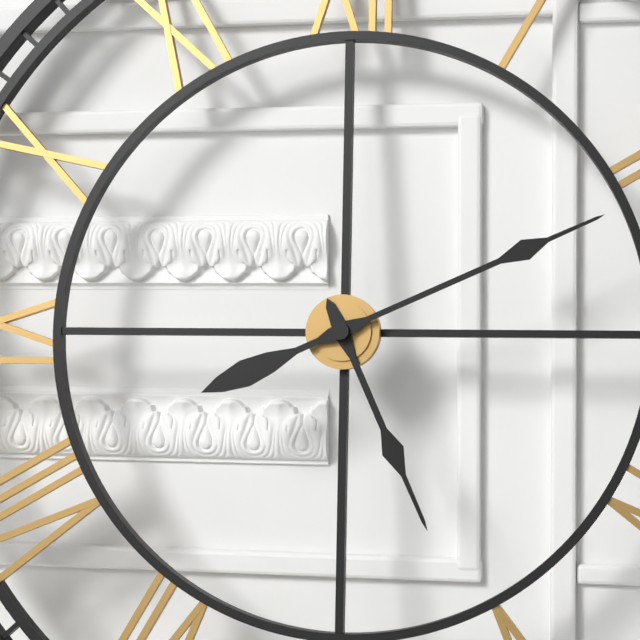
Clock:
{"hour": 5, "minute": 11}
